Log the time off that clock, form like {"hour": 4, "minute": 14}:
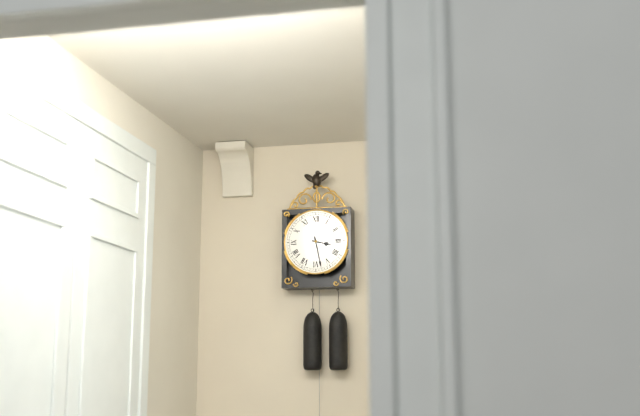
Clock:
{"hour": 3, "minute": 28}
